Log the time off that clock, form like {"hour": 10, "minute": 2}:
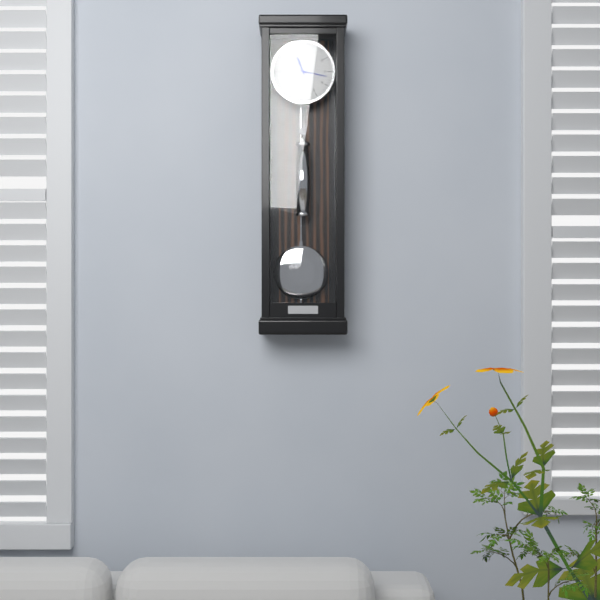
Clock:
{"hour": 11, "minute": 17}
